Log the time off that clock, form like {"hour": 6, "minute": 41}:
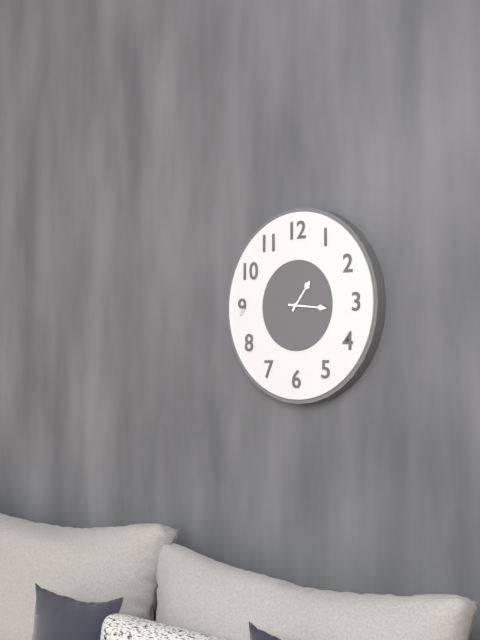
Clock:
{"hour": 1, "minute": 16}
